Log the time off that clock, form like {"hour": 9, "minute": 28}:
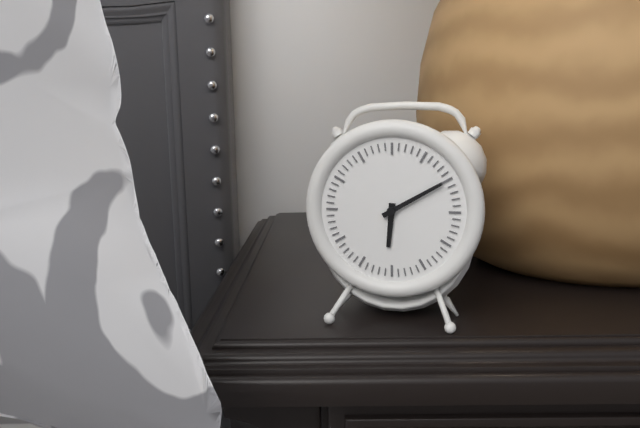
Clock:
{"hour": 6, "minute": 10}
